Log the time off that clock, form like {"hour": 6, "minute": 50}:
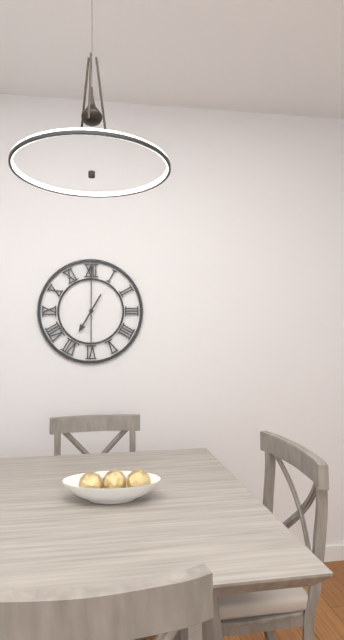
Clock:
{"hour": 7, "minute": 0}
